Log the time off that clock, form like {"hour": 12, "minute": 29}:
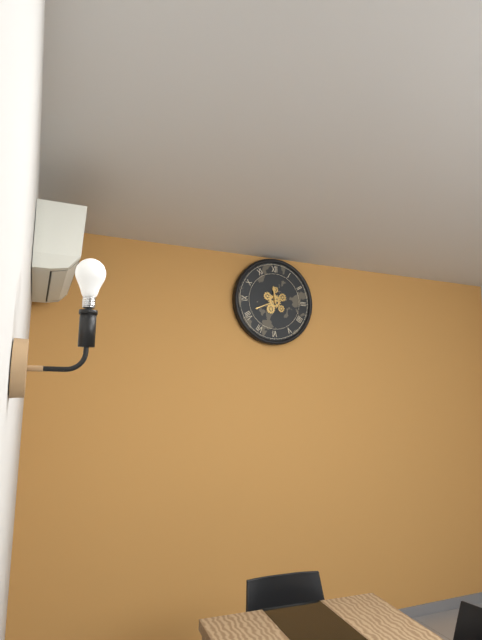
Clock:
{"hour": 11, "minute": 41}
